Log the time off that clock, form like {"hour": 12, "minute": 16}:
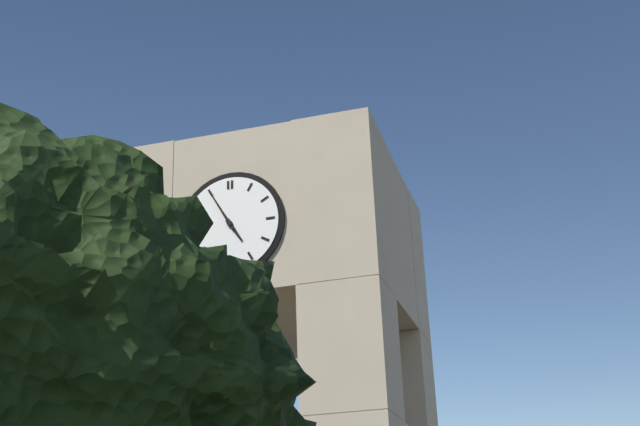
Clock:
{"hour": 4, "minute": 55}
